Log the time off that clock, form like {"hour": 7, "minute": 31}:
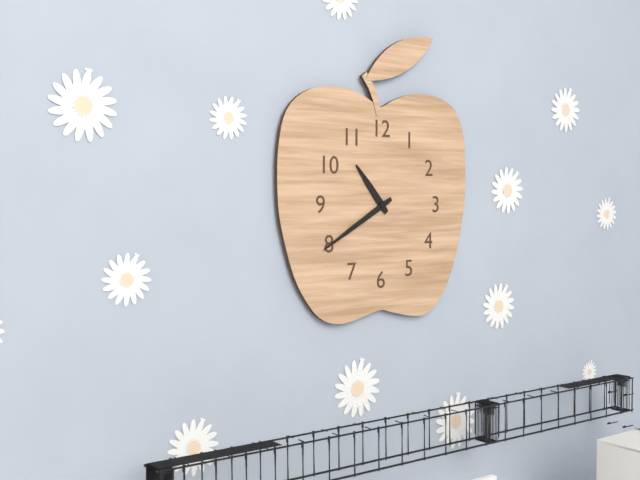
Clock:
{"hour": 10, "minute": 40}
